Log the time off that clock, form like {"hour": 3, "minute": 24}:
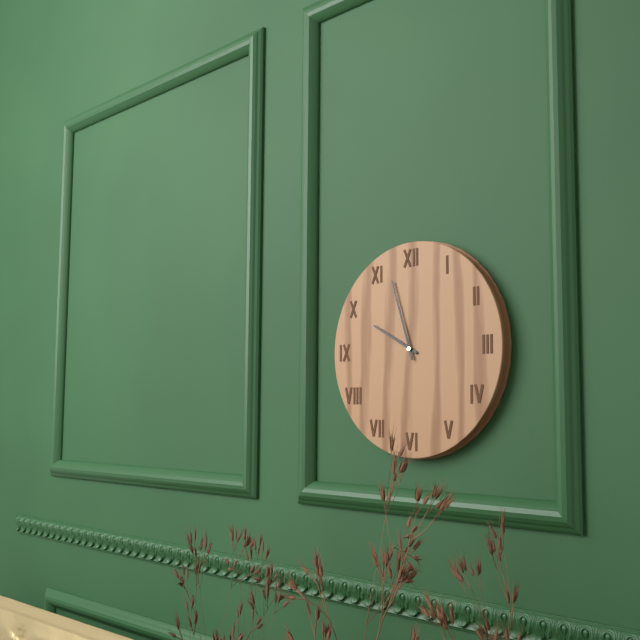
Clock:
{"hour": 9, "minute": 57}
